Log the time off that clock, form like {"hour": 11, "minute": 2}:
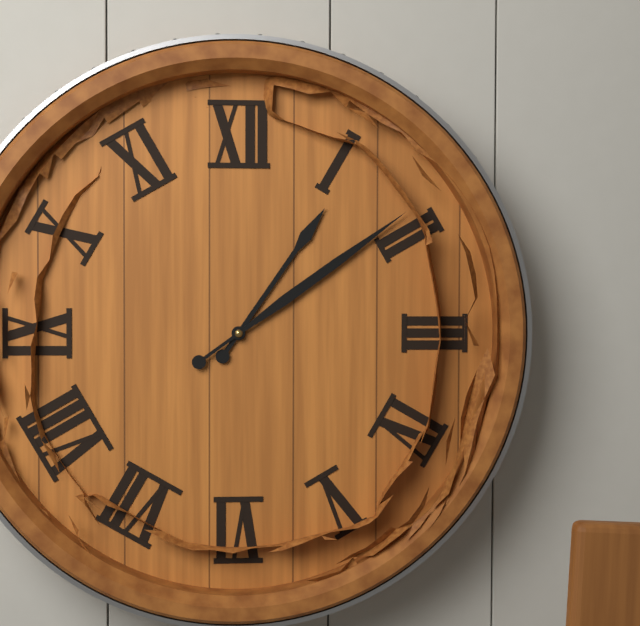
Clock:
{"hour": 1, "minute": 9}
